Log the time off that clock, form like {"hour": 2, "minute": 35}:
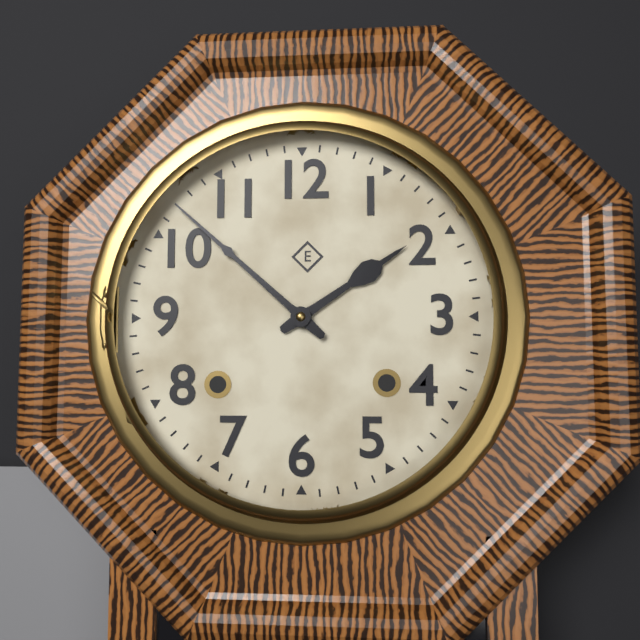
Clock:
{"hour": 1, "minute": 52}
